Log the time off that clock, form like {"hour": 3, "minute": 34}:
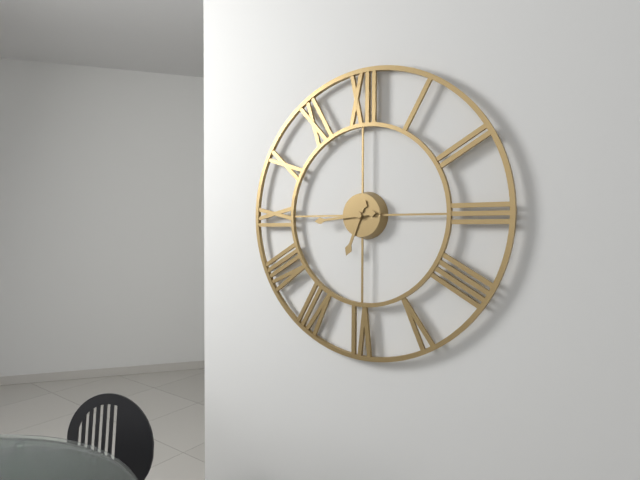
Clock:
{"hour": 6, "minute": 44}
